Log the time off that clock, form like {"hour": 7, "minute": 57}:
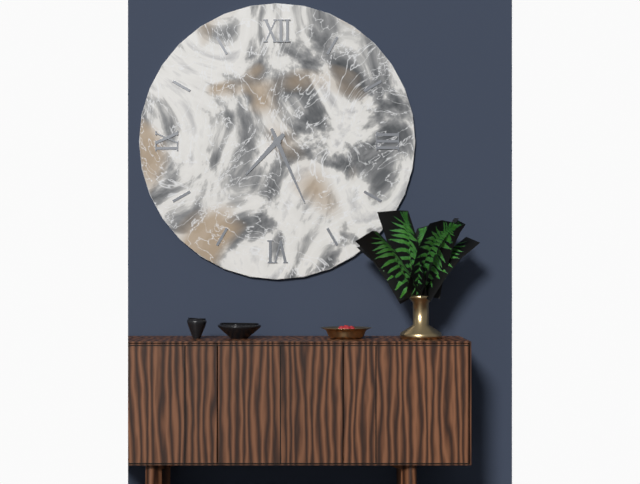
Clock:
{"hour": 7, "minute": 26}
